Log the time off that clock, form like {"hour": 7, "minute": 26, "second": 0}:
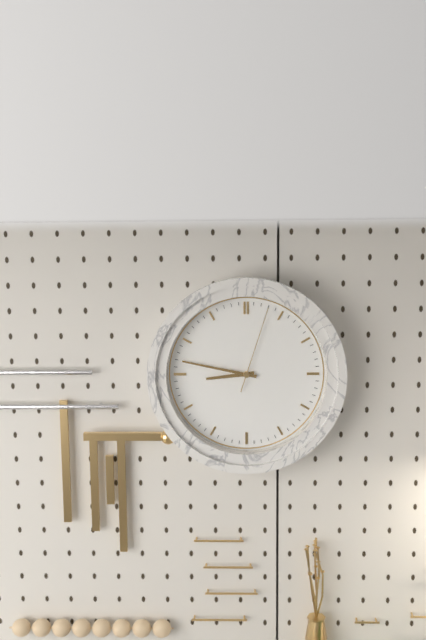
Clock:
{"hour": 8, "minute": 47, "second": 3}
